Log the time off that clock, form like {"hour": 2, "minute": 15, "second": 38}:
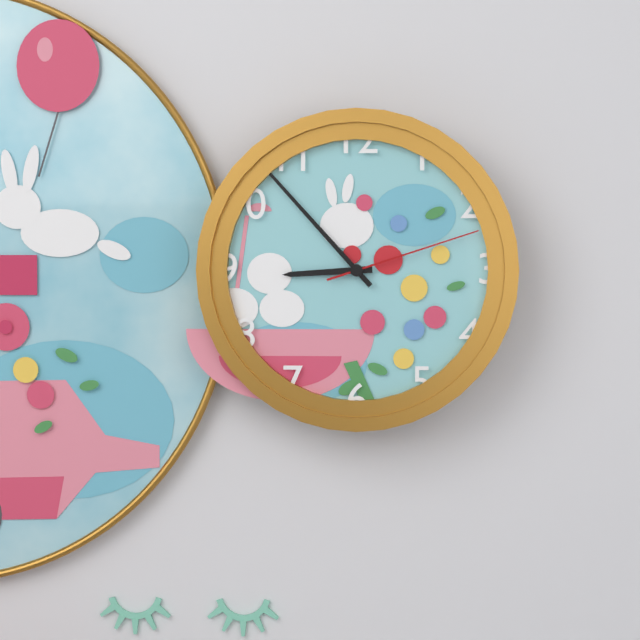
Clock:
{"hour": 8, "minute": 53, "second": 12}
